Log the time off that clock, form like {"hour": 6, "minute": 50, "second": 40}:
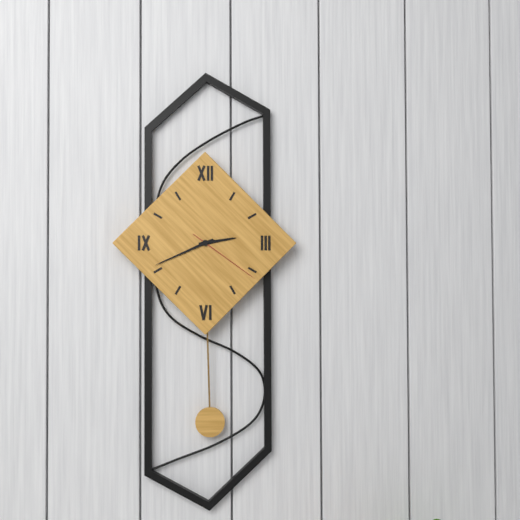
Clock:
{"hour": 2, "minute": 41, "second": 21}
